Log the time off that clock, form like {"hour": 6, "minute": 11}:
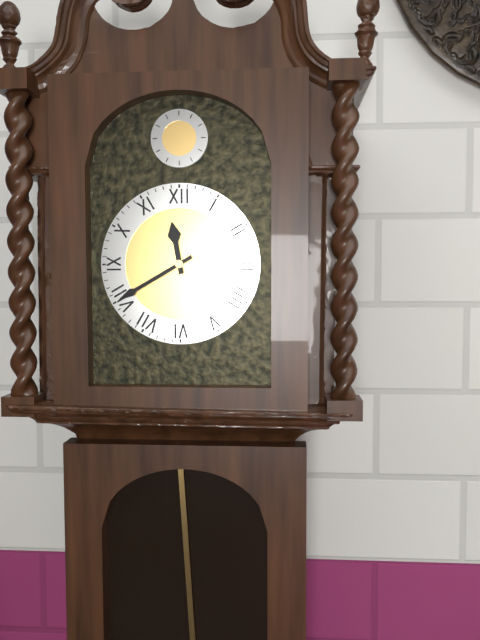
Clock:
{"hour": 11, "minute": 40}
